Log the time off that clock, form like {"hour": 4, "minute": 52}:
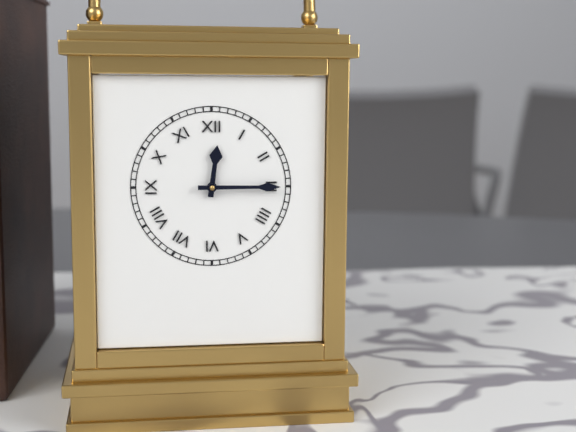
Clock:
{"hour": 12, "minute": 15}
